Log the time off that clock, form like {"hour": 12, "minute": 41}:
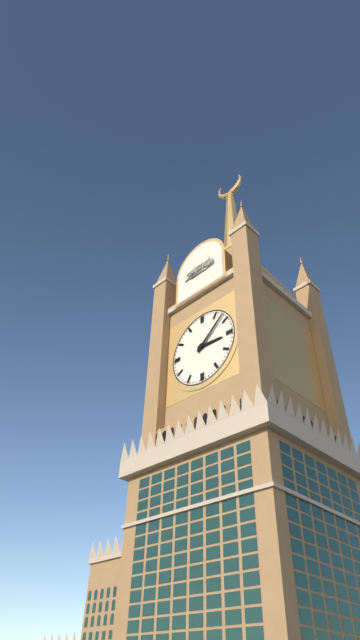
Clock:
{"hour": 3, "minute": 8}
